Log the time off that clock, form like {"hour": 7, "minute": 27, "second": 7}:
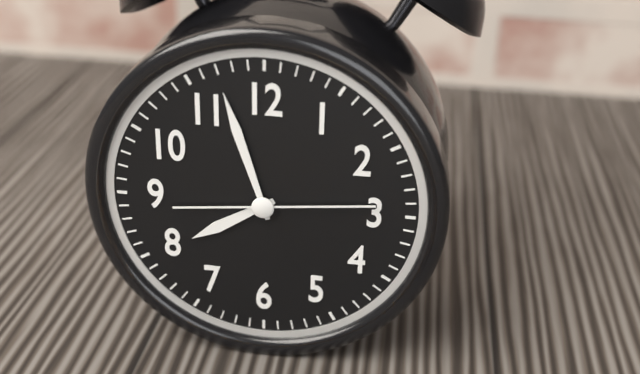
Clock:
{"hour": 7, "minute": 57, "second": 14}
